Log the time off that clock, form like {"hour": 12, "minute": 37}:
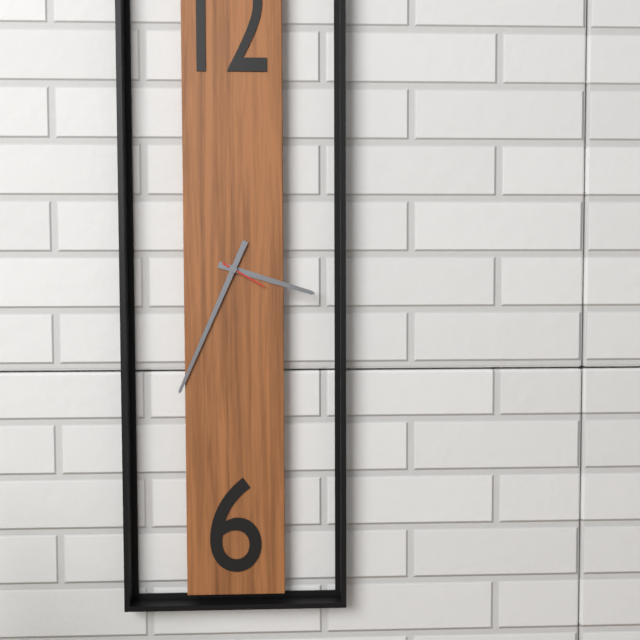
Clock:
{"hour": 3, "minute": 34}
